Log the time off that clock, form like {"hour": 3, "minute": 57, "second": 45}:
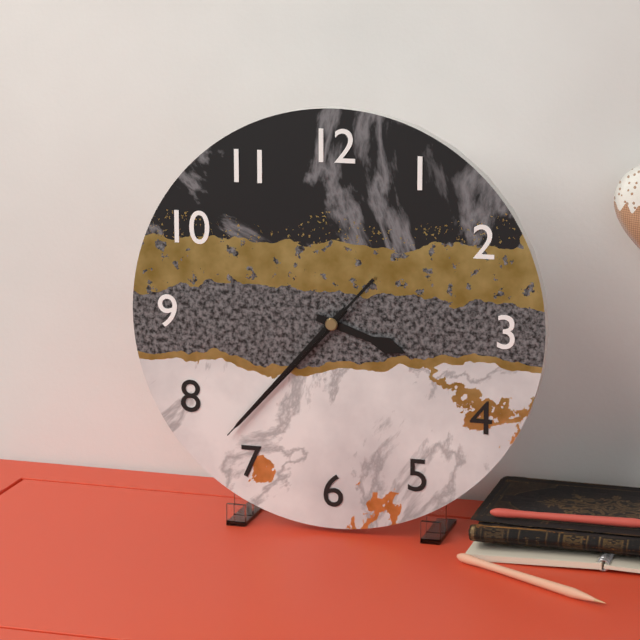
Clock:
{"hour": 3, "minute": 37, "second": 37}
